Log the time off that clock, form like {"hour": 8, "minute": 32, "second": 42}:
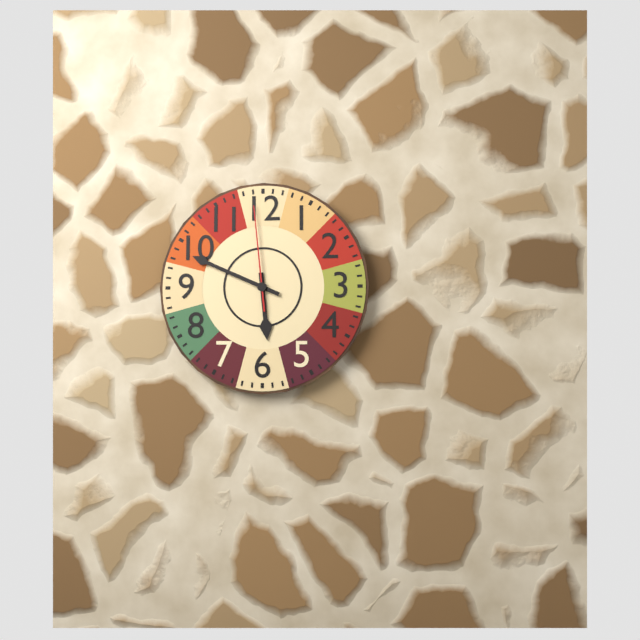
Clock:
{"hour": 5, "minute": 49, "second": 59}
